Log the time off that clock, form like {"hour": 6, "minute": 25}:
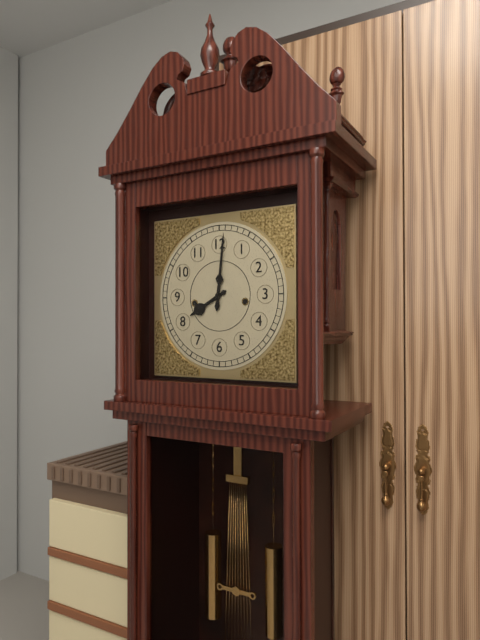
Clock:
{"hour": 8, "minute": 1}
